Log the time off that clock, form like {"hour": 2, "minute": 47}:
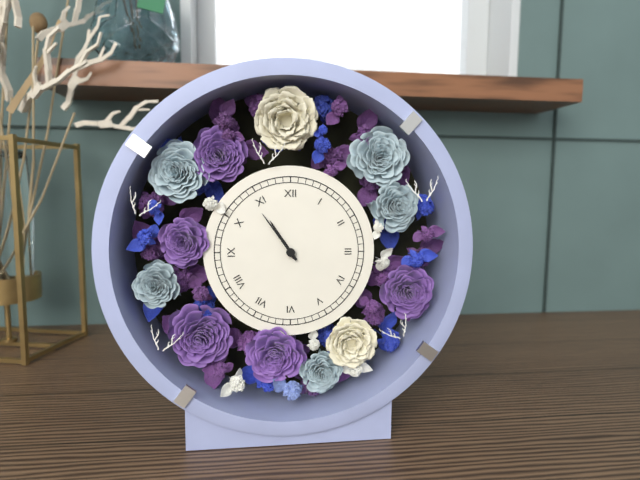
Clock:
{"hour": 10, "minute": 54}
